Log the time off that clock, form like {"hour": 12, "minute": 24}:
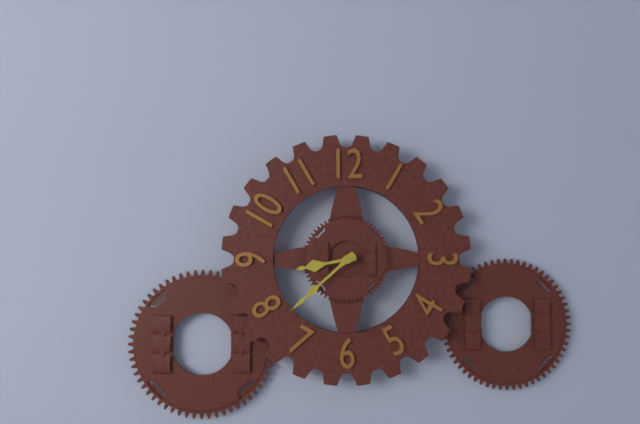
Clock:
{"hour": 8, "minute": 38}
